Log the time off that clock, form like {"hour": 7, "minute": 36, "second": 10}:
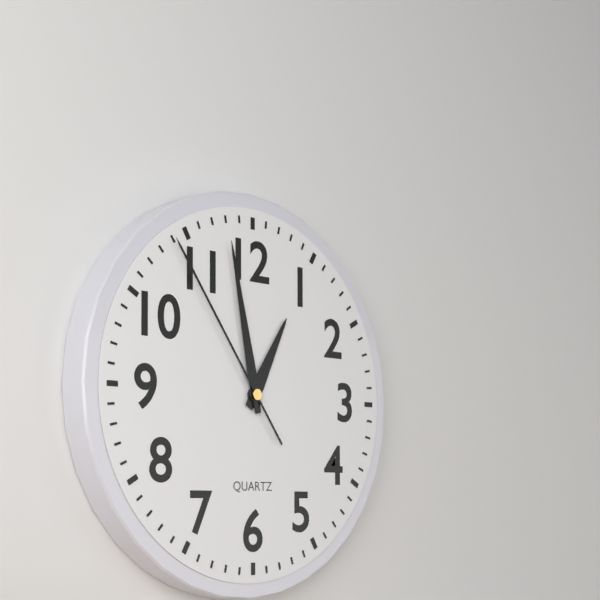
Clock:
{"hour": 12, "minute": 58, "second": 54}
